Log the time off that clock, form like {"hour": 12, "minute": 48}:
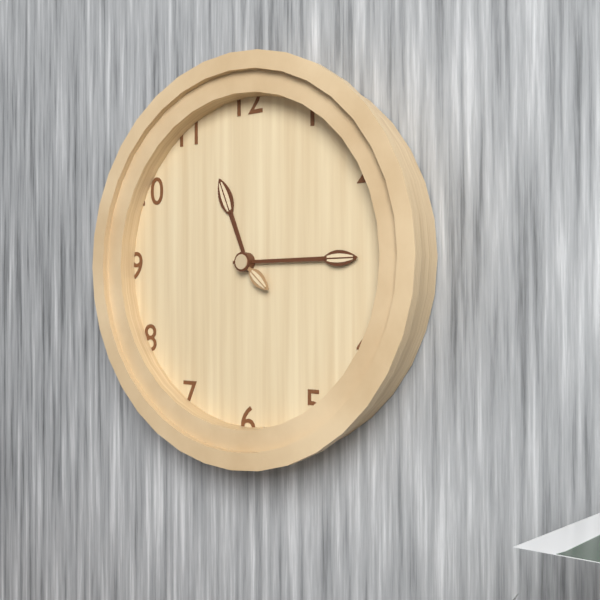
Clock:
{"hour": 11, "minute": 15}
